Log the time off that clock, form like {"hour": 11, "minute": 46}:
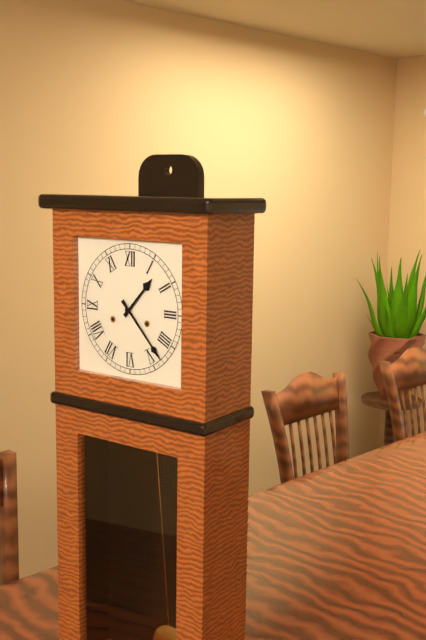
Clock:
{"hour": 1, "minute": 23}
